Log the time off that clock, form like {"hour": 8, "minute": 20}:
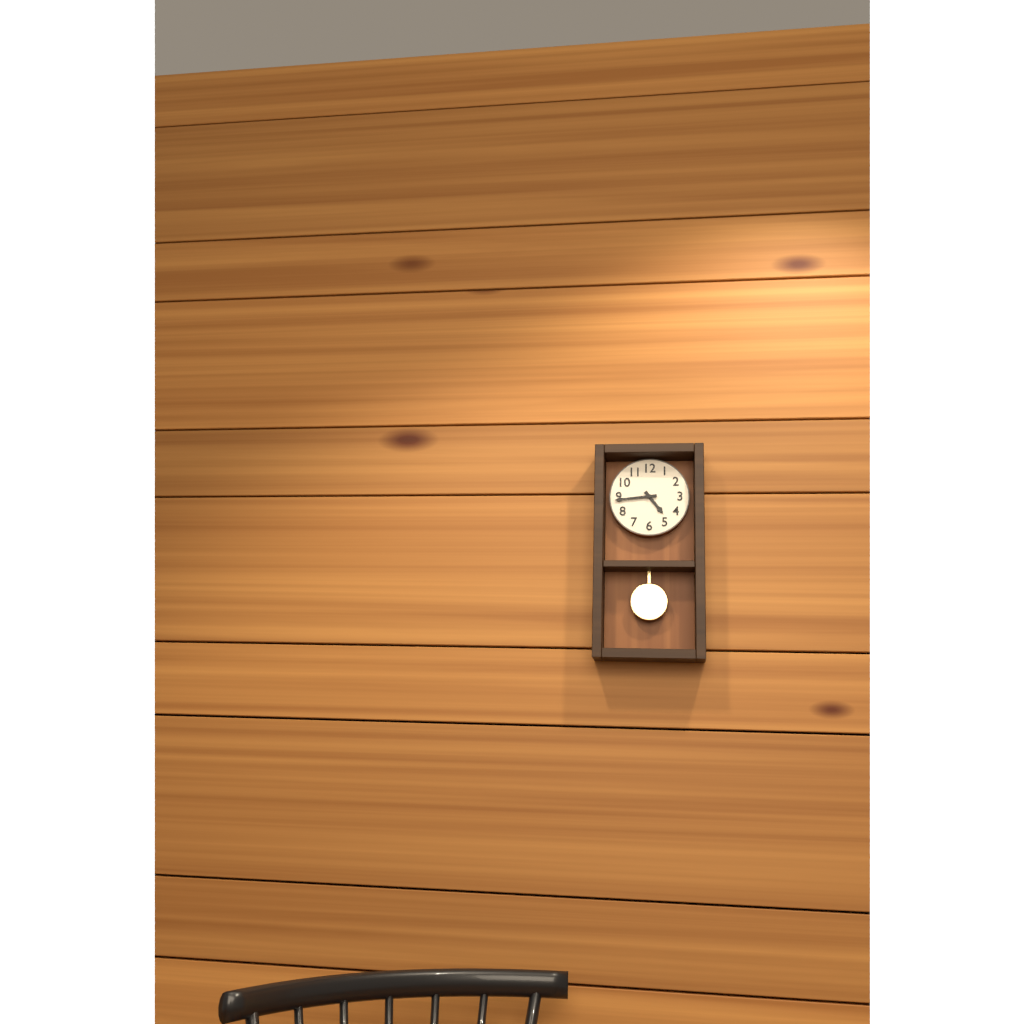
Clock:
{"hour": 4, "minute": 44}
